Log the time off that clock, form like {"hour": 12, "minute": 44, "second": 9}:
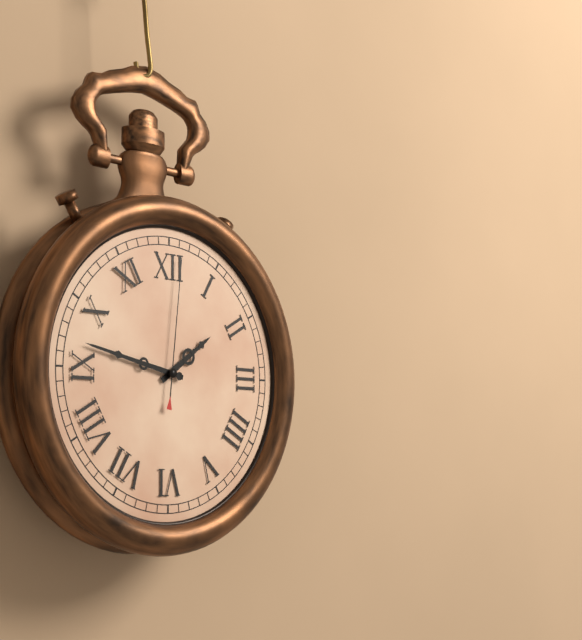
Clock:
{"hour": 1, "minute": 47, "second": 1}
